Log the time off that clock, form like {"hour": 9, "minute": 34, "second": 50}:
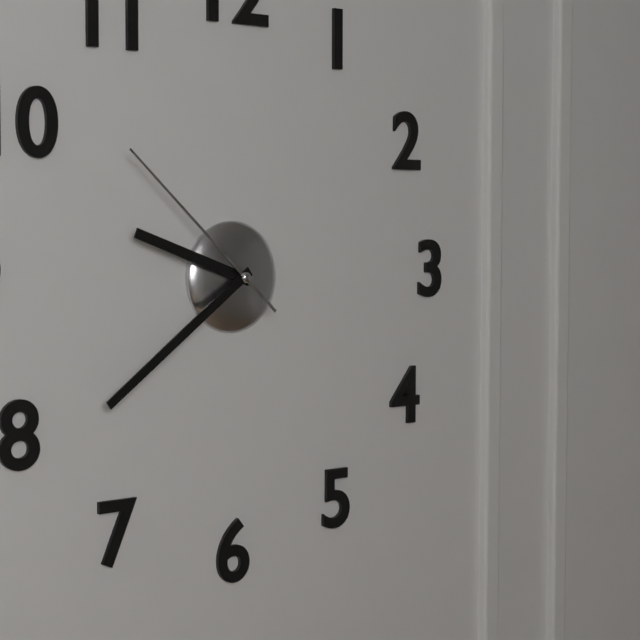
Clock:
{"hour": 9, "minute": 39, "second": 52}
